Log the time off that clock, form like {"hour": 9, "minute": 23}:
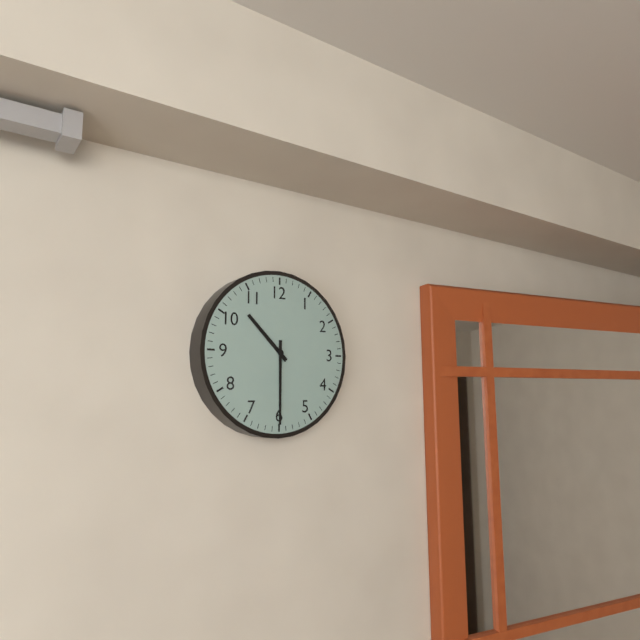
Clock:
{"hour": 10, "minute": 30}
